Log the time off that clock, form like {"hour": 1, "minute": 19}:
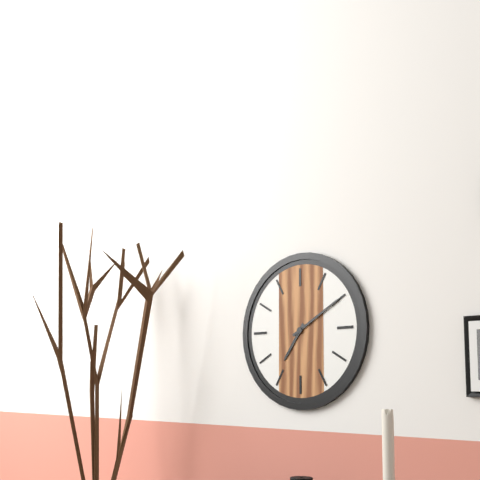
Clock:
{"hour": 7, "minute": 10}
